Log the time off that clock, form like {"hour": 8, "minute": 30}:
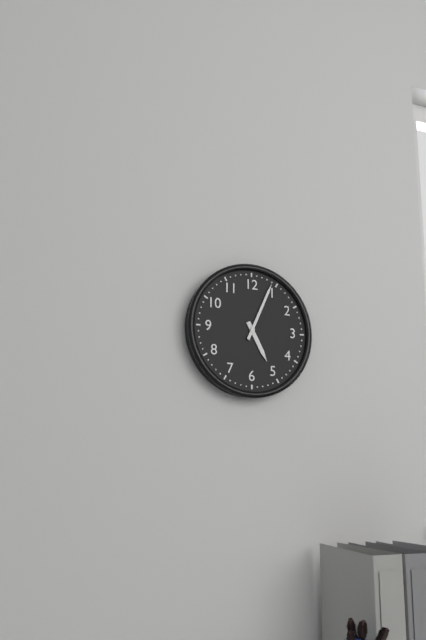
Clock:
{"hour": 5, "minute": 4}
